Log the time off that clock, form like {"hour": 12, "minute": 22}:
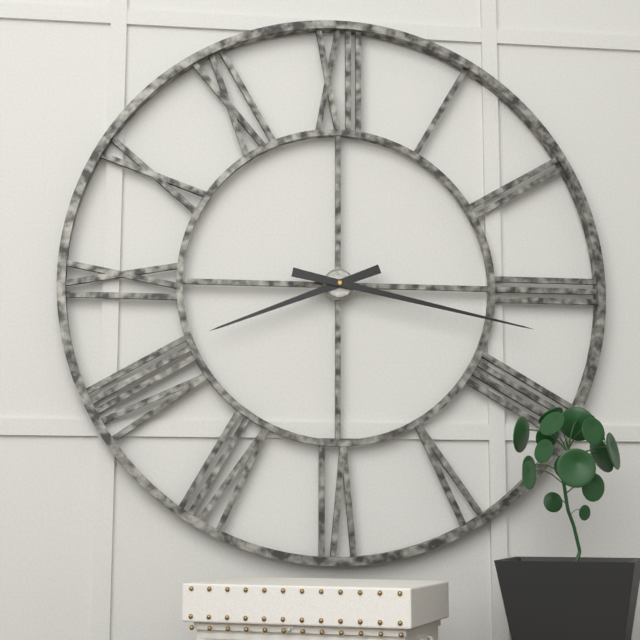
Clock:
{"hour": 8, "minute": 17}
